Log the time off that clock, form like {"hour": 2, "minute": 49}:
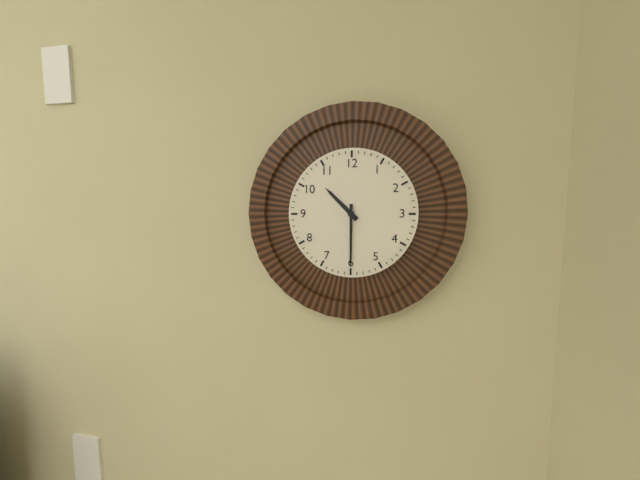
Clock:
{"hour": 10, "minute": 30}
